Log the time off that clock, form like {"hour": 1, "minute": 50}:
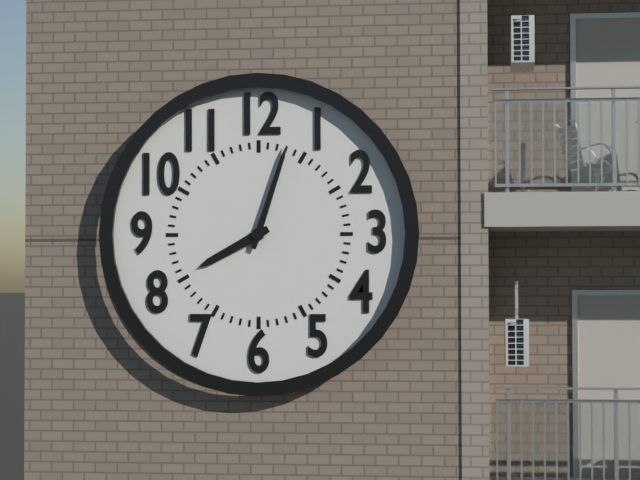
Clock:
{"hour": 8, "minute": 3}
